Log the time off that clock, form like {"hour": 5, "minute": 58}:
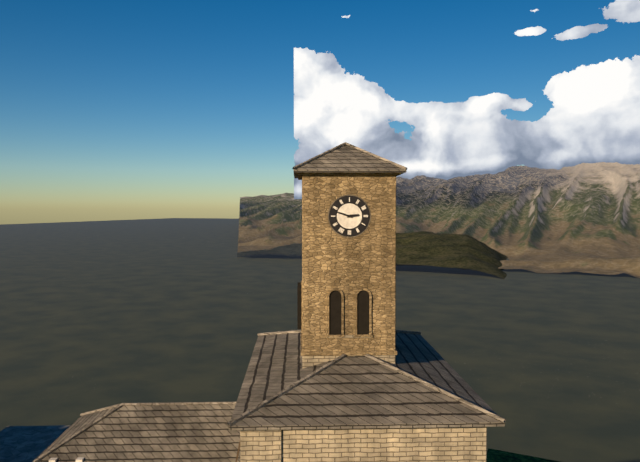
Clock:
{"hour": 2, "minute": 48}
